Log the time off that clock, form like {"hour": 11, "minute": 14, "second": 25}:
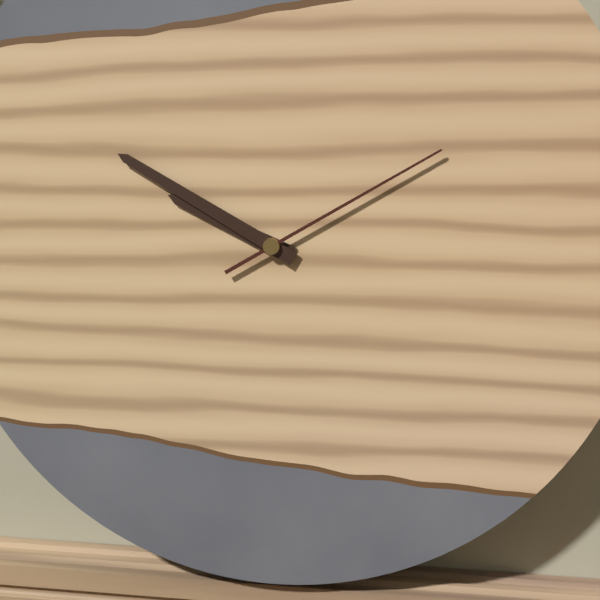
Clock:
{"hour": 9, "minute": 50, "second": 10}
